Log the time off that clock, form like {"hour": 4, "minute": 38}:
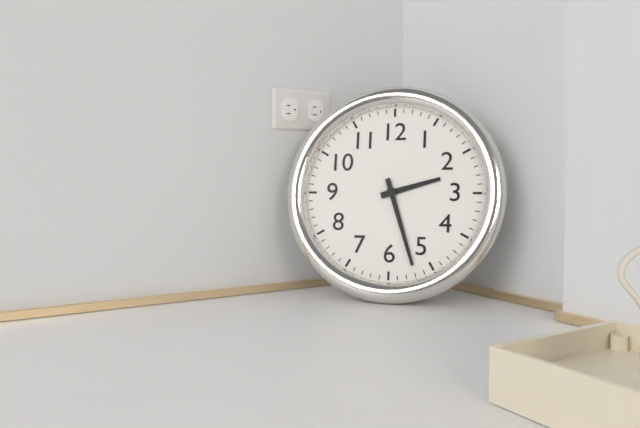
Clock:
{"hour": 2, "minute": 27}
